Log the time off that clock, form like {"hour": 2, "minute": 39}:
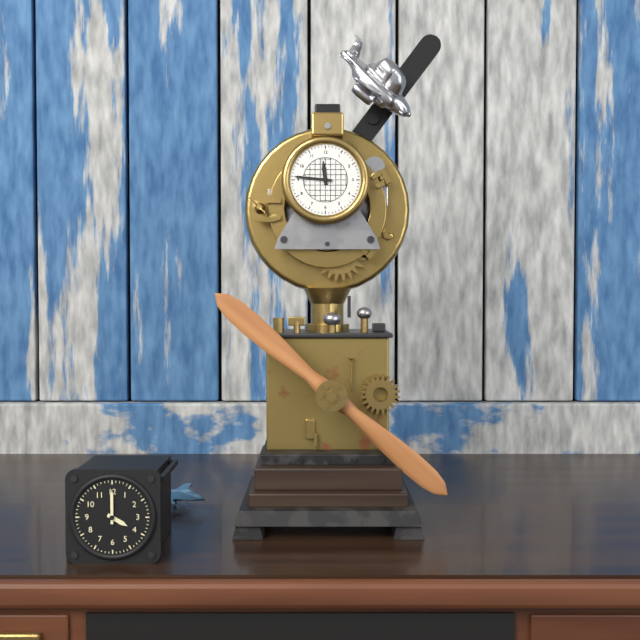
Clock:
{"hour": 11, "minute": 46}
